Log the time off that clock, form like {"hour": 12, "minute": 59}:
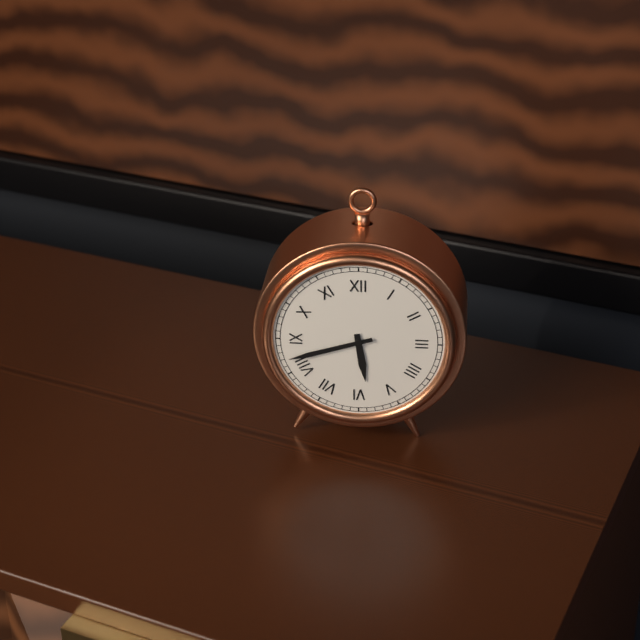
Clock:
{"hour": 5, "minute": 42}
